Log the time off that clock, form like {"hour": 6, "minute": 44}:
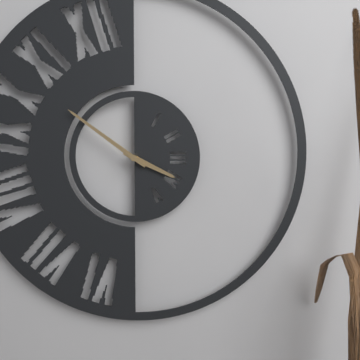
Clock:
{"hour": 3, "minute": 51}
